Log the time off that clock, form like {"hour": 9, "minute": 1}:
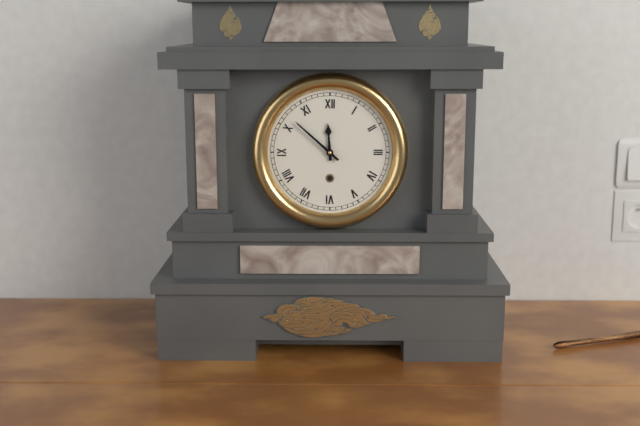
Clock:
{"hour": 11, "minute": 52}
